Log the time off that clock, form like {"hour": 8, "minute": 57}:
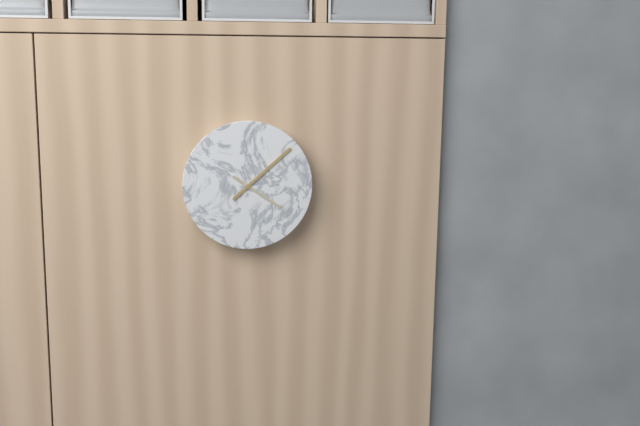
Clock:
{"hour": 4, "minute": 8}
